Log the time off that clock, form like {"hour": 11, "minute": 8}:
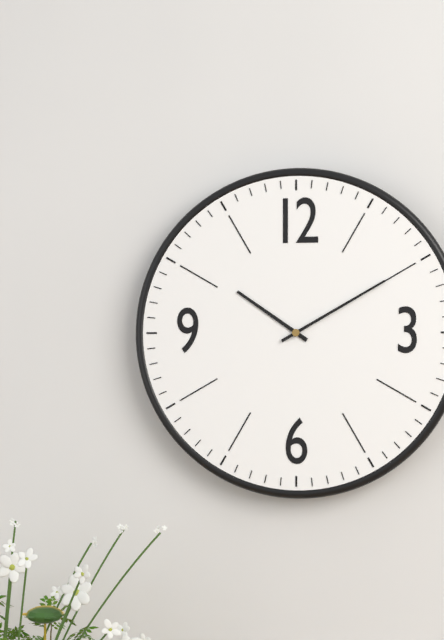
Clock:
{"hour": 10, "minute": 10}
